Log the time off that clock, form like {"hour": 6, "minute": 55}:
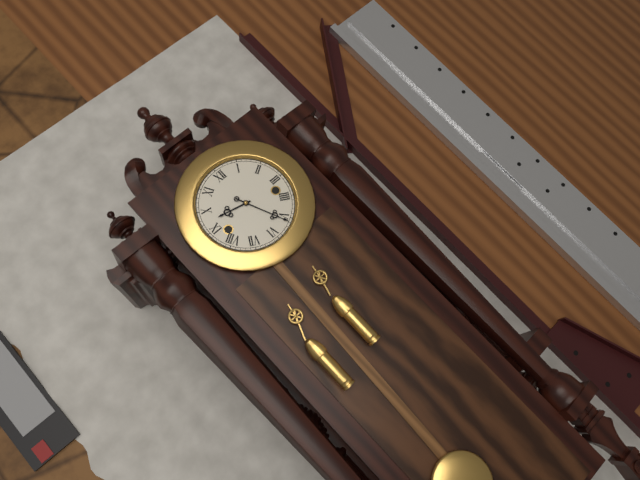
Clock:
{"hour": 9, "minute": 26}
